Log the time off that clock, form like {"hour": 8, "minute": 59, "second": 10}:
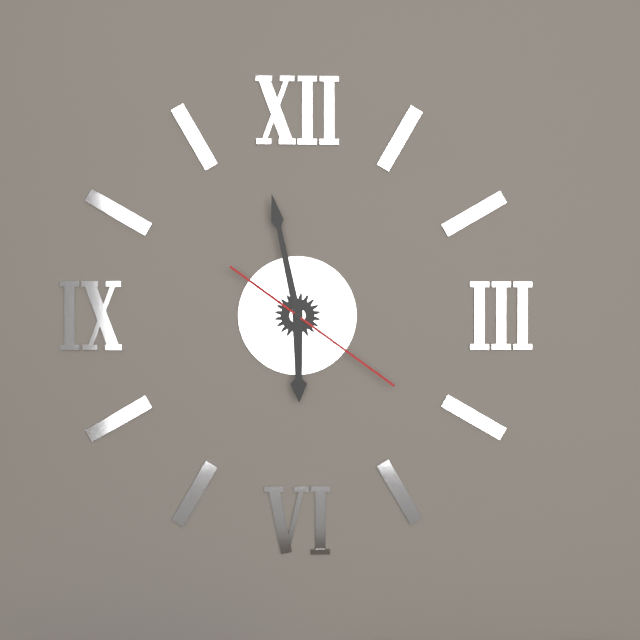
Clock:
{"hour": 5, "minute": 58, "second": 21}
